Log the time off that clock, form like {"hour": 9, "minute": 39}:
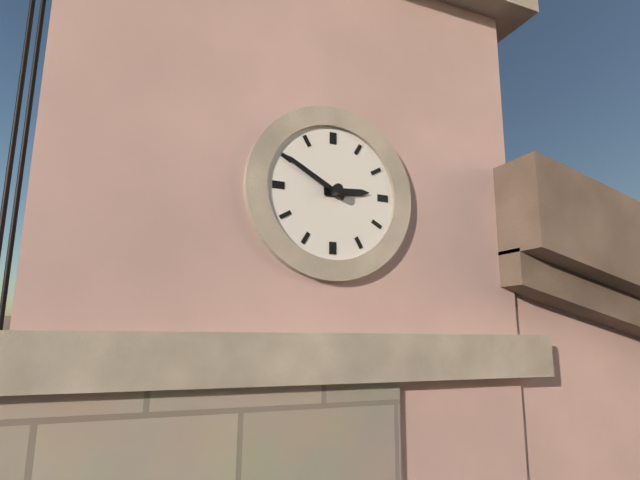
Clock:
{"hour": 2, "minute": 50}
